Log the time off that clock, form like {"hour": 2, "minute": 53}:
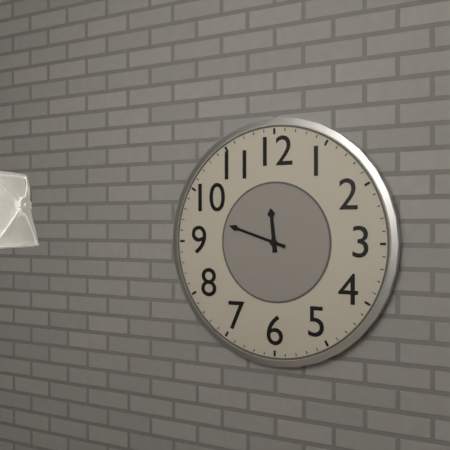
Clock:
{"hour": 11, "minute": 48}
